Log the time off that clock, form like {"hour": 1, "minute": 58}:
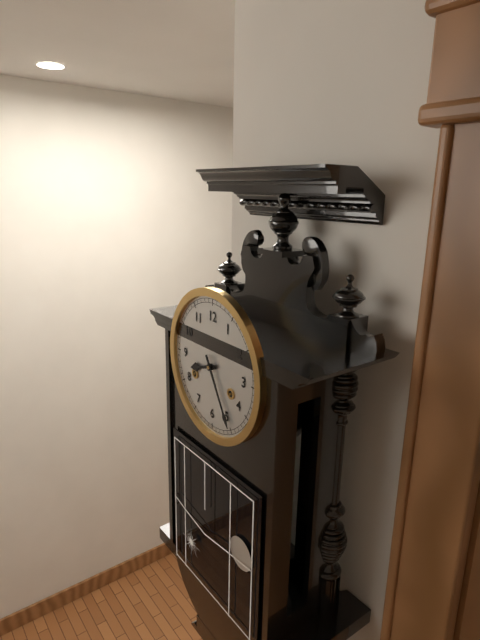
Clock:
{"hour": 8, "minute": 25}
